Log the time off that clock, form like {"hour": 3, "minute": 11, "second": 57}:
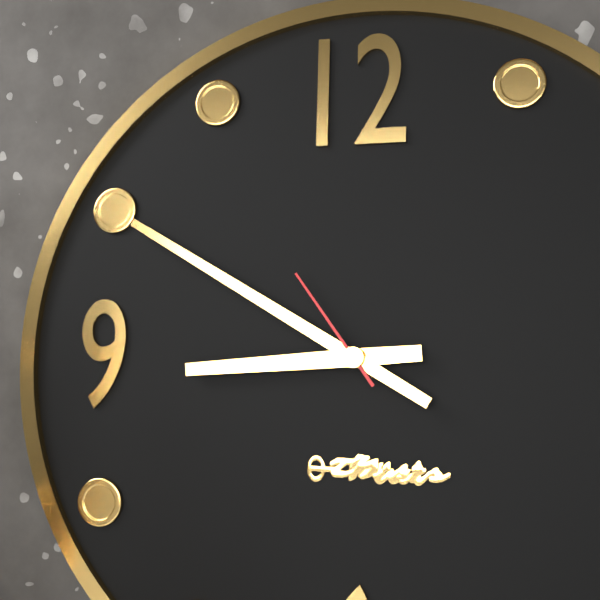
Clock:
{"hour": 8, "minute": 50, "second": 54}
